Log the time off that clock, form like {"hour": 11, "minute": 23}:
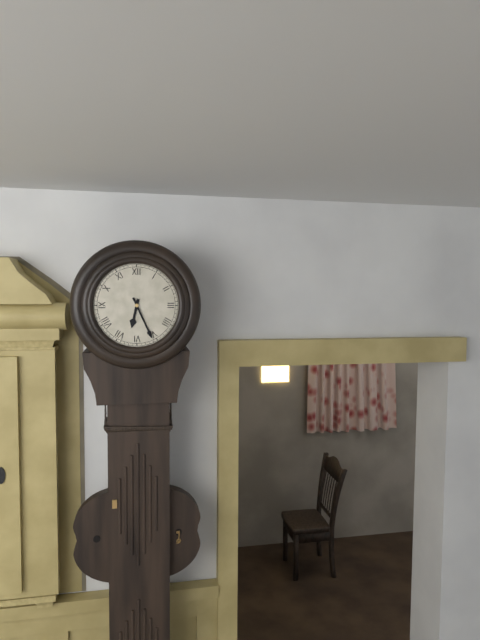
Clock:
{"hour": 6, "minute": 26}
